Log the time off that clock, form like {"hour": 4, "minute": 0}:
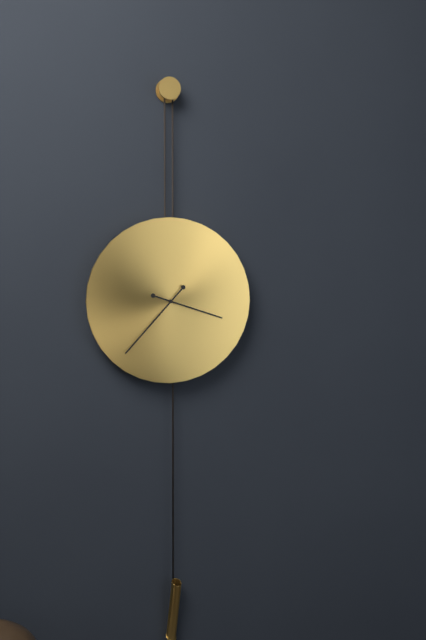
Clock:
{"hour": 3, "minute": 37}
